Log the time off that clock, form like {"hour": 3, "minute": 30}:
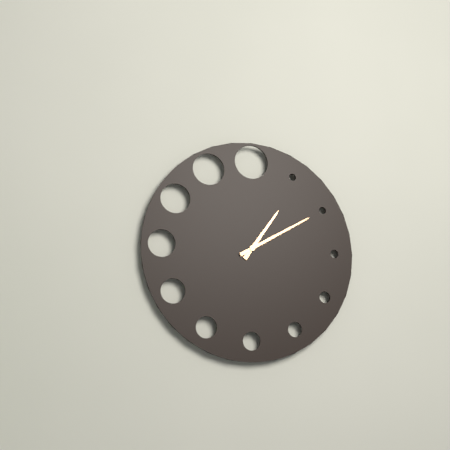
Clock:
{"hour": 1, "minute": 10}
